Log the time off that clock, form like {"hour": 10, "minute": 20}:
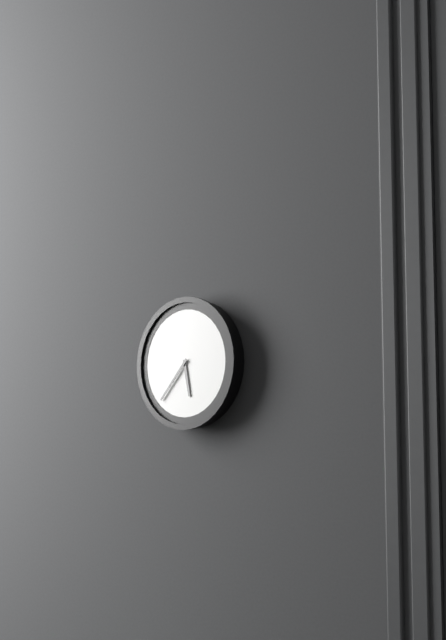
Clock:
{"hour": 5, "minute": 37}
